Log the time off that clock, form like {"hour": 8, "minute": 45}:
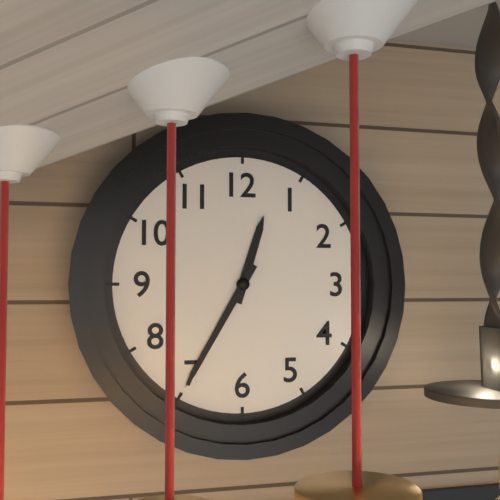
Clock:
{"hour": 12, "minute": 35}
